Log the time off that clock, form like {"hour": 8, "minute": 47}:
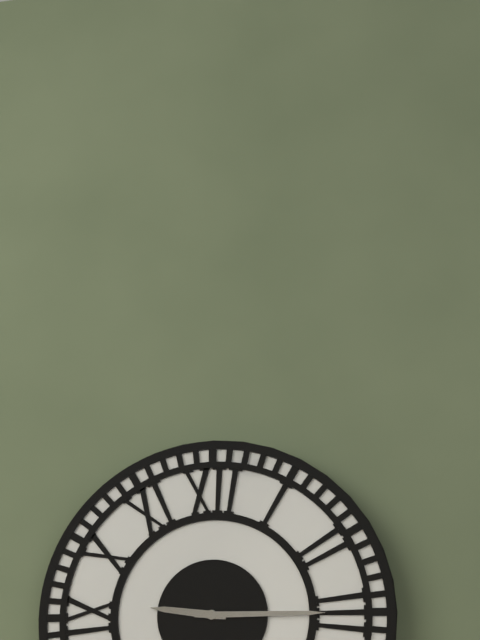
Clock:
{"hour": 9, "minute": 15}
